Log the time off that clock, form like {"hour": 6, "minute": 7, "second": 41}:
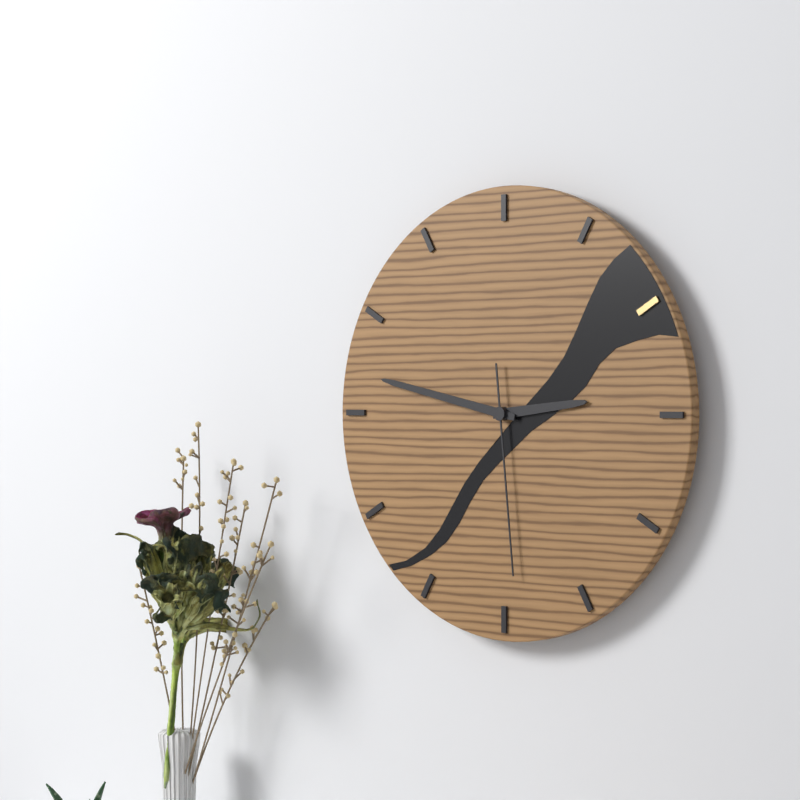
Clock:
{"hour": 2, "minute": 47, "second": 29}
